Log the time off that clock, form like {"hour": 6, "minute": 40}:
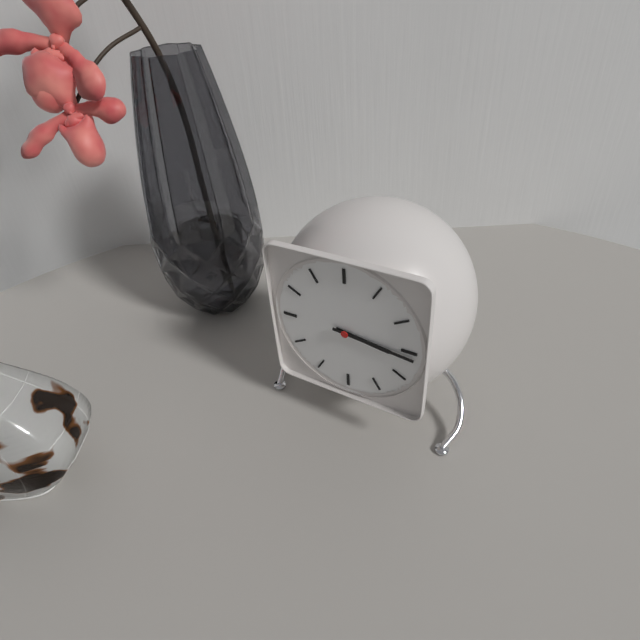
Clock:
{"hour": 3, "minute": 16}
